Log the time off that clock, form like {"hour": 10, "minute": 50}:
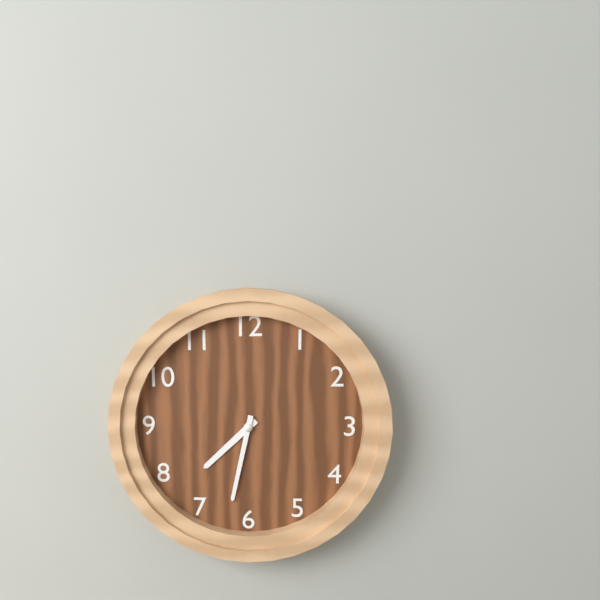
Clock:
{"hour": 7, "minute": 32}
